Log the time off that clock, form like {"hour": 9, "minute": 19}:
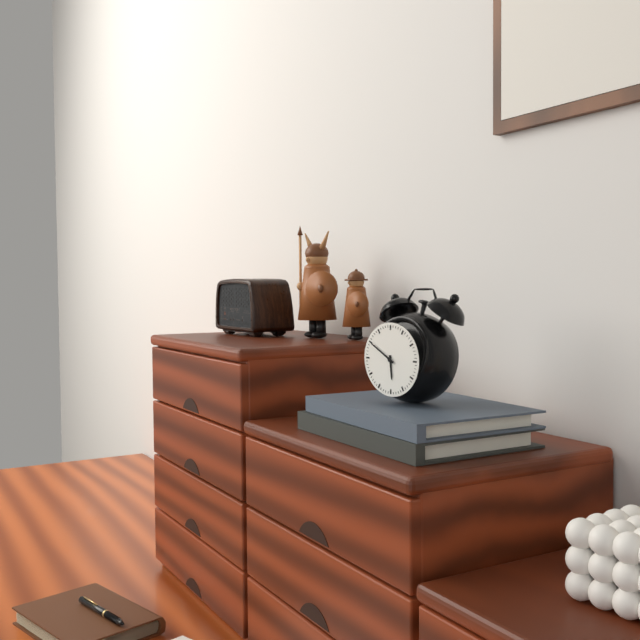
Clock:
{"hour": 5, "minute": 50}
